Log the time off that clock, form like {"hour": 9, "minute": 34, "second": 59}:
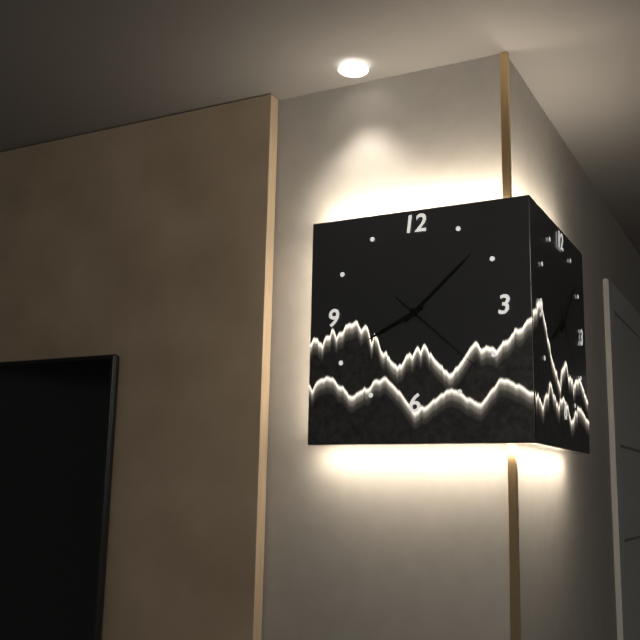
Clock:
{"hour": 8, "minute": 8, "second": 22}
